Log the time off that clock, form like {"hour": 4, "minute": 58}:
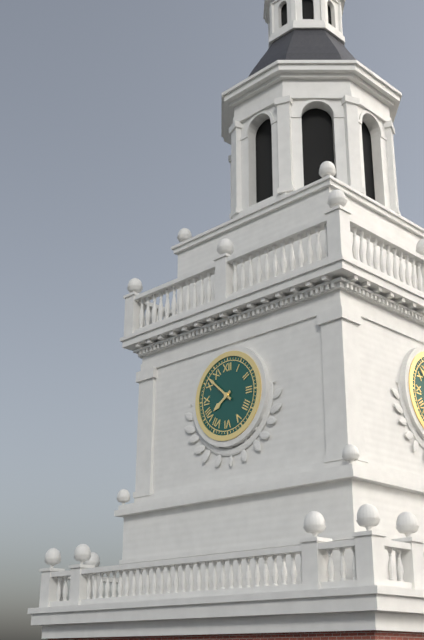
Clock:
{"hour": 7, "minute": 52}
